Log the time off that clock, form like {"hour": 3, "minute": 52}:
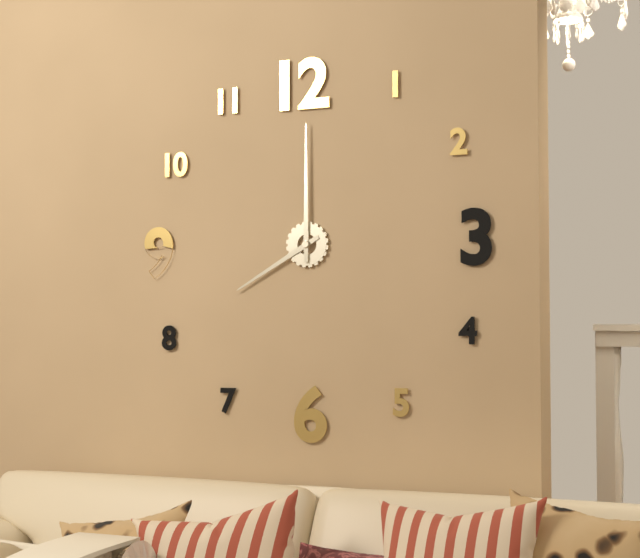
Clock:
{"hour": 8, "minute": 0}
